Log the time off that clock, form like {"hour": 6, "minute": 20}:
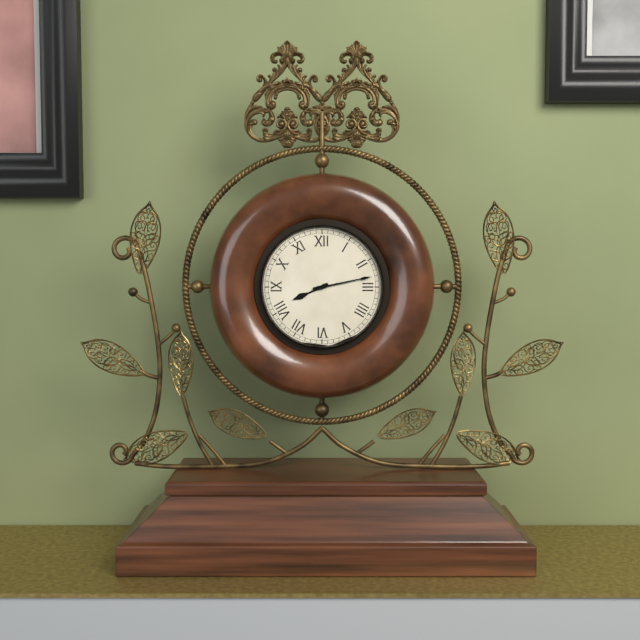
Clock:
{"hour": 8, "minute": 13}
